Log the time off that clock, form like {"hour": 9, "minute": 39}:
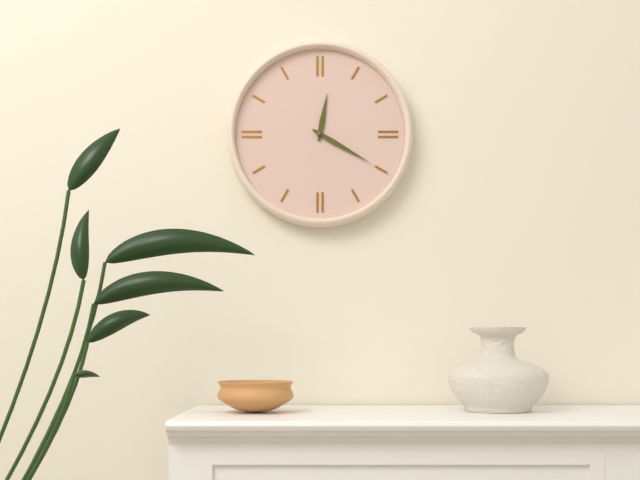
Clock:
{"hour": 12, "minute": 20}
